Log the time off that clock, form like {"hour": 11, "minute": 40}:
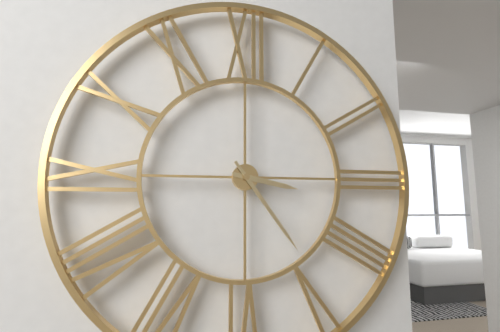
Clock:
{"hour": 3, "minute": 24}
